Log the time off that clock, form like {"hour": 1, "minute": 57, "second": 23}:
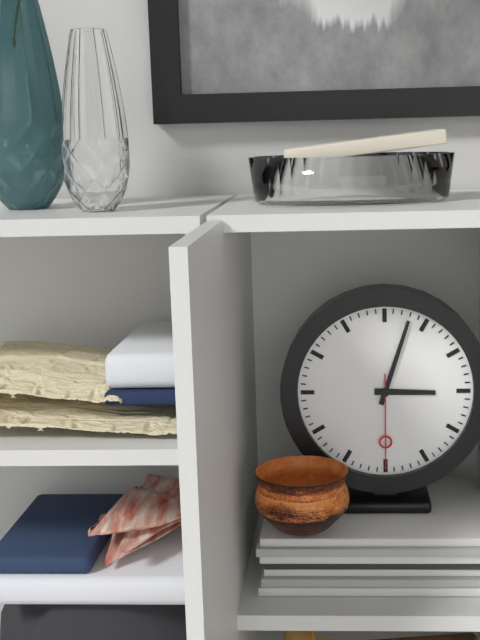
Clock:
{"hour": 3, "minute": 3, "second": 30}
